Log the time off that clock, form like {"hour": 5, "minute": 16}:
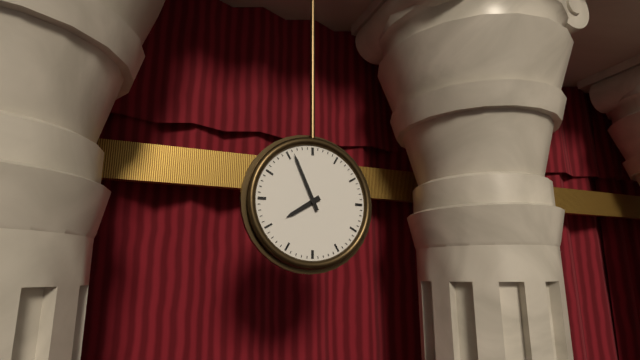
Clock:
{"hour": 7, "minute": 56}
